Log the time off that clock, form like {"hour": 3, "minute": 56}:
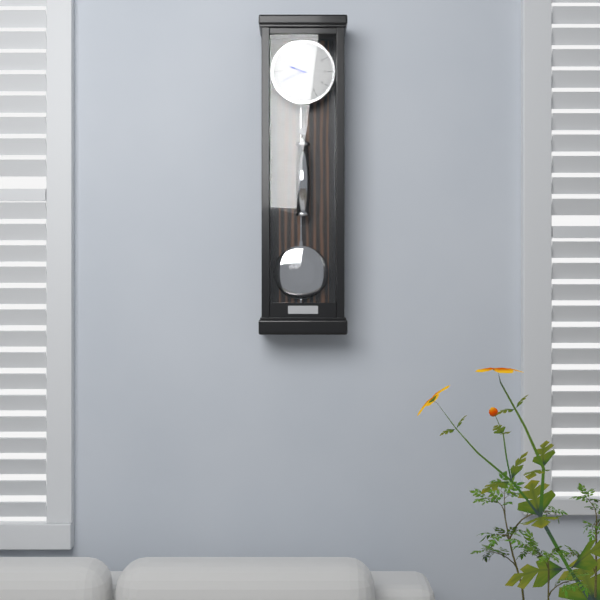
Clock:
{"hour": 9, "minute": 41}
